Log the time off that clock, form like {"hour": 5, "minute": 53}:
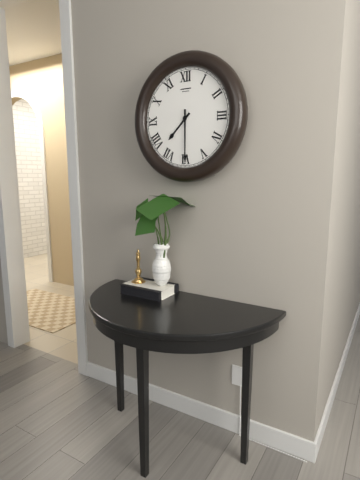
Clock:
{"hour": 7, "minute": 30}
